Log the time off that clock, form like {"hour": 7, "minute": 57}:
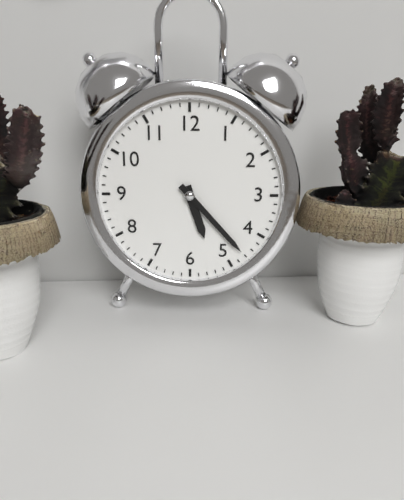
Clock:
{"hour": 5, "minute": 23}
